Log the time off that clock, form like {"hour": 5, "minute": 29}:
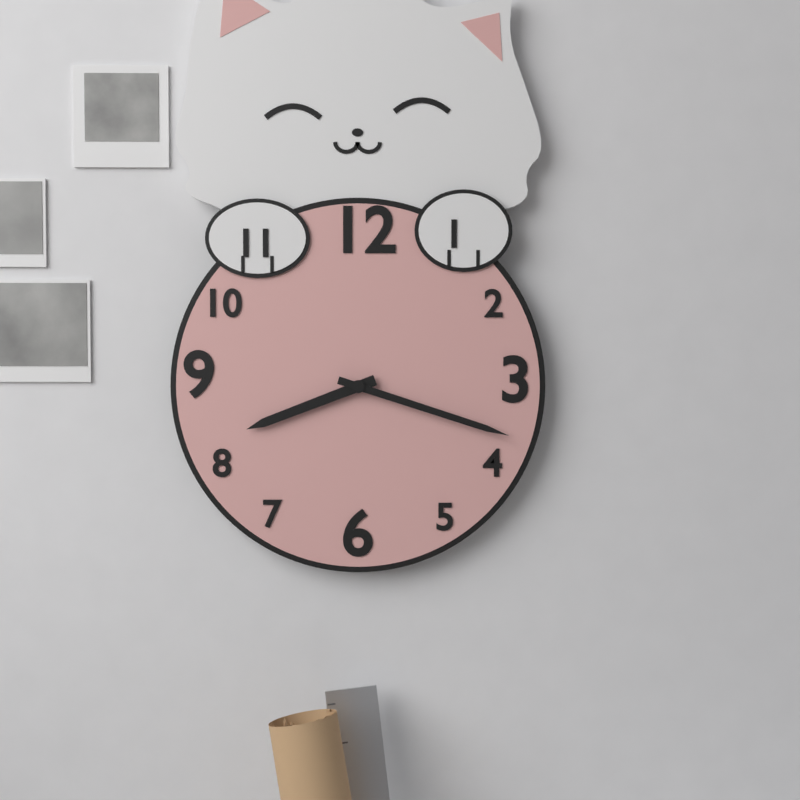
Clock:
{"hour": 8, "minute": 18}
